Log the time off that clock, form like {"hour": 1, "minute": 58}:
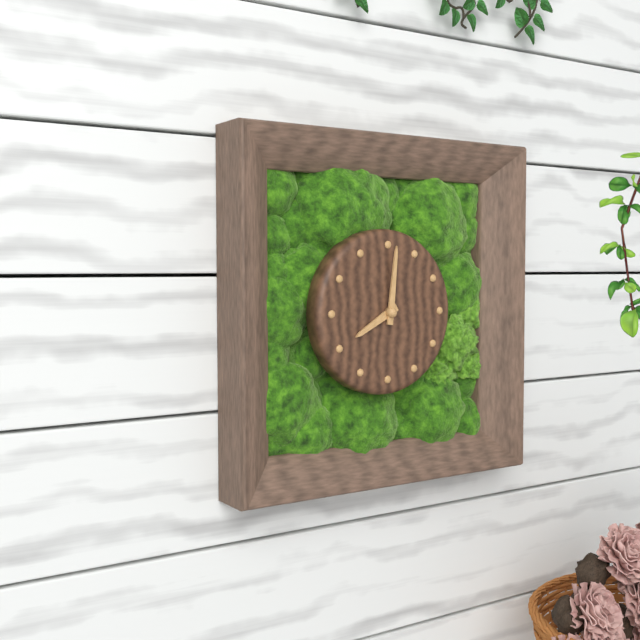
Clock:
{"hour": 8, "minute": 1}
